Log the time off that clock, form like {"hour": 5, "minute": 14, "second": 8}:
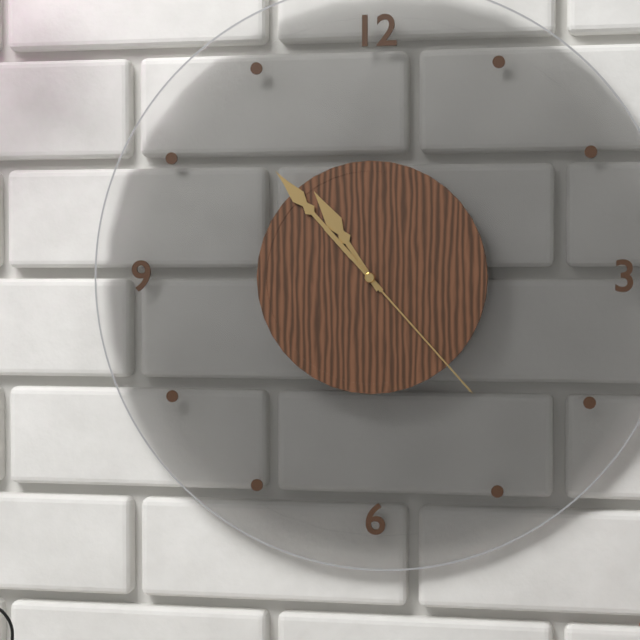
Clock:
{"hour": 10, "minute": 53, "second": 23}
